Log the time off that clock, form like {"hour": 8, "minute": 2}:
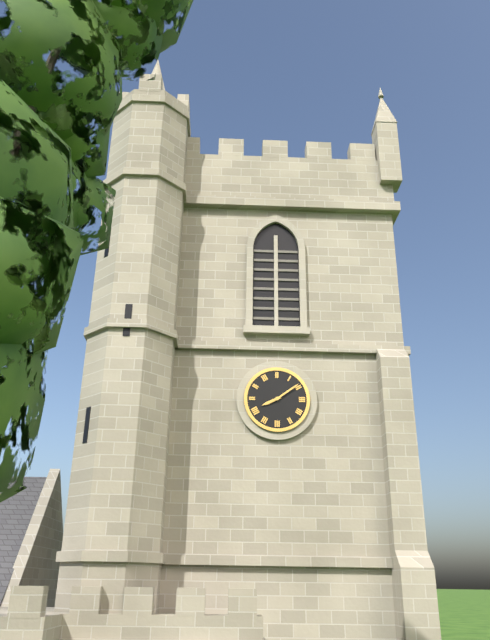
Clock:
{"hour": 8, "minute": 9}
